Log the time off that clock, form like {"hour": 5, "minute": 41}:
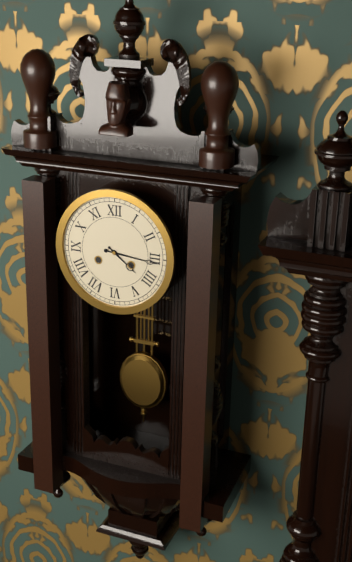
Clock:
{"hour": 4, "minute": 16}
